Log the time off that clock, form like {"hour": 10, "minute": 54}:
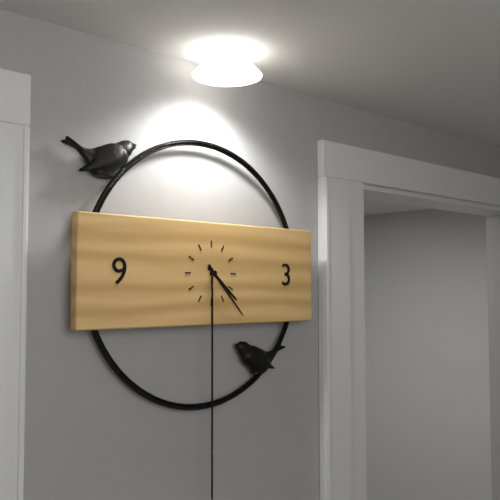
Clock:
{"hour": 4, "minute": 23}
